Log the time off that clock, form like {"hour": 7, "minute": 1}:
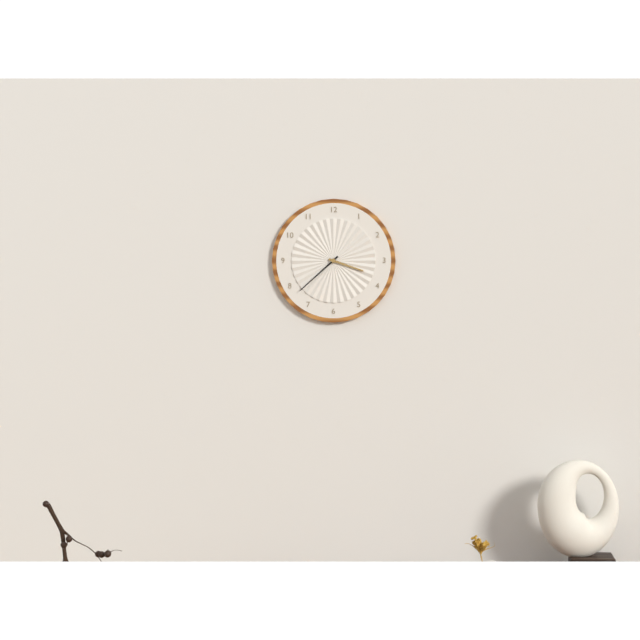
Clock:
{"hour": 3, "minute": 38}
